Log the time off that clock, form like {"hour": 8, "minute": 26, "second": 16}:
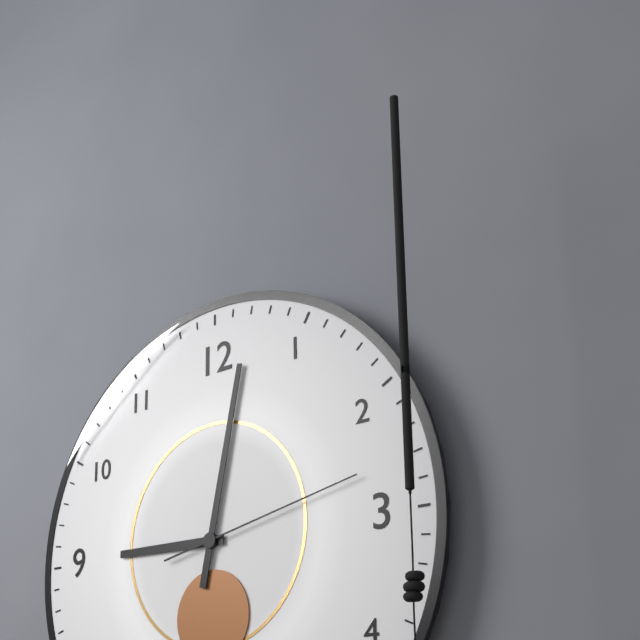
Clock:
{"hour": 9, "minute": 2, "second": 13}
